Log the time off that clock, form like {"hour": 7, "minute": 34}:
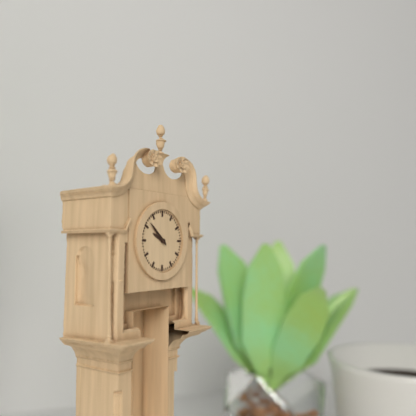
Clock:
{"hour": 9, "minute": 52}
